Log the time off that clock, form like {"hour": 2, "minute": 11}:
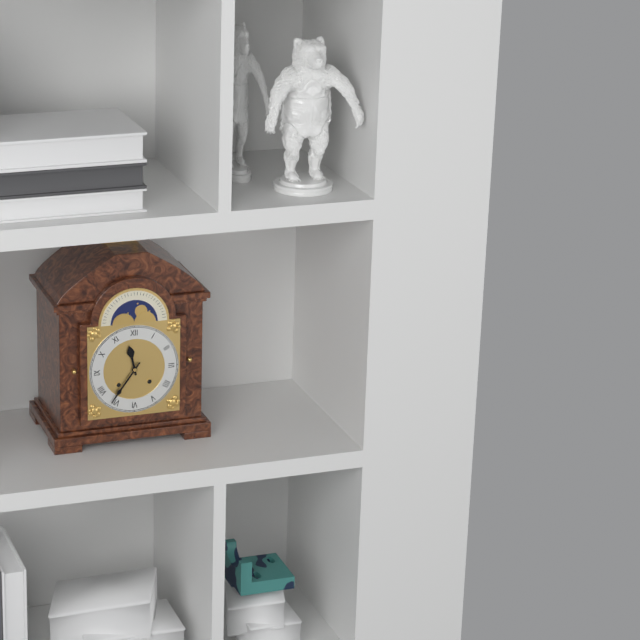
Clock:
{"hour": 11, "minute": 36}
